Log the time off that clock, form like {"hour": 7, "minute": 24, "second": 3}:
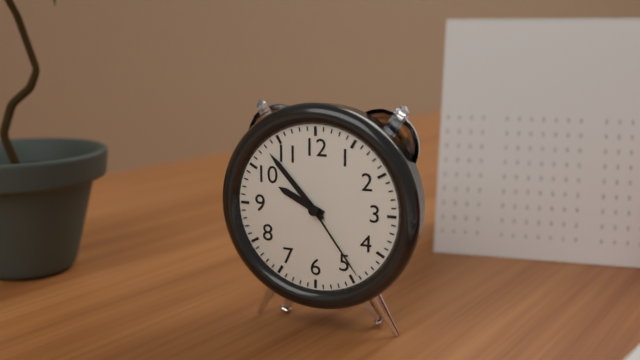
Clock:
{"hour": 9, "minute": 53, "second": 24}
